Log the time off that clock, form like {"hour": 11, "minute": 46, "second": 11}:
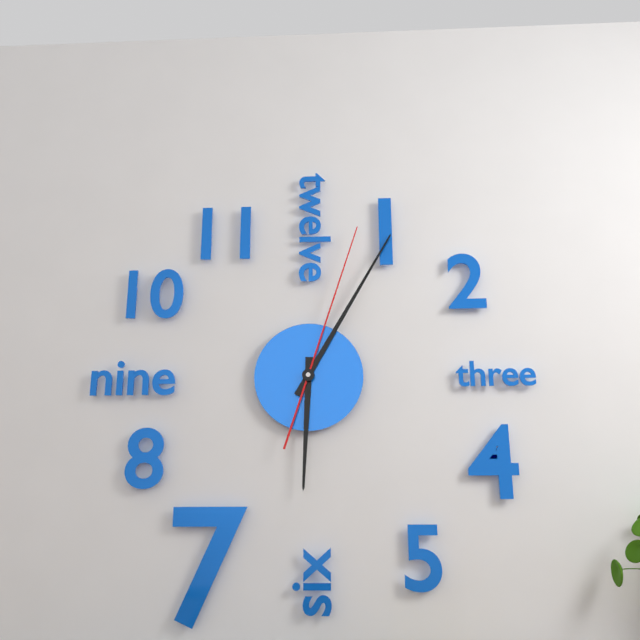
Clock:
{"hour": 6, "minute": 5, "second": 3}
